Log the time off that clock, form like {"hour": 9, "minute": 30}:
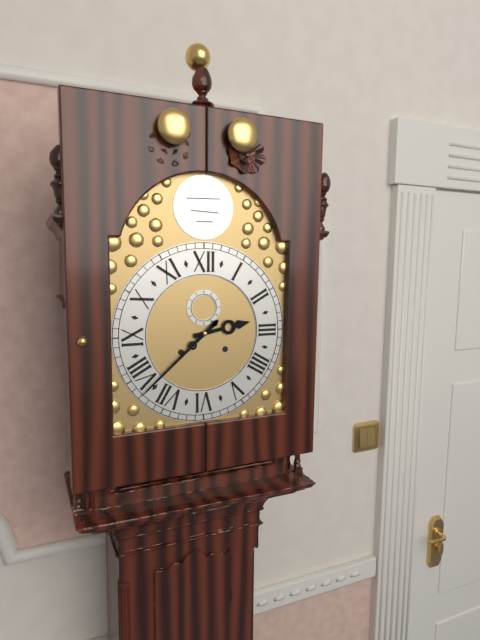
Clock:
{"hour": 2, "minute": 38}
